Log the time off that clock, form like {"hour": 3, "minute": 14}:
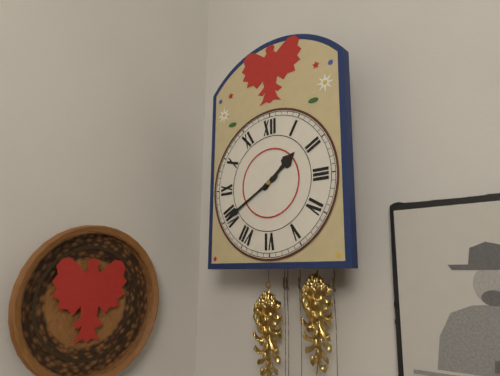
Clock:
{"hour": 1, "minute": 40}
